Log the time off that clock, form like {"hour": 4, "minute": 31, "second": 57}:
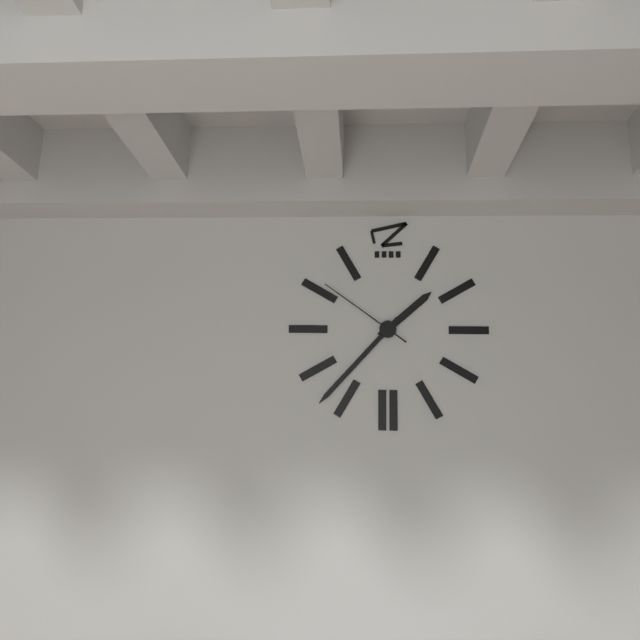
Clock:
{"hour": 1, "minute": 37, "second": 51}
